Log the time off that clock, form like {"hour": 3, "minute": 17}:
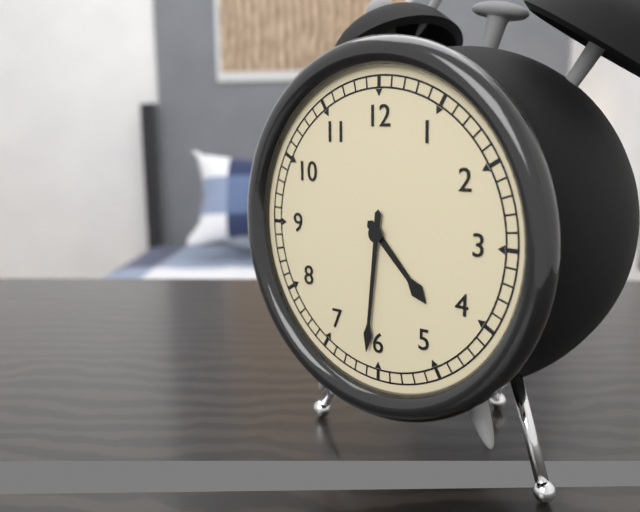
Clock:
{"hour": 4, "minute": 31}
